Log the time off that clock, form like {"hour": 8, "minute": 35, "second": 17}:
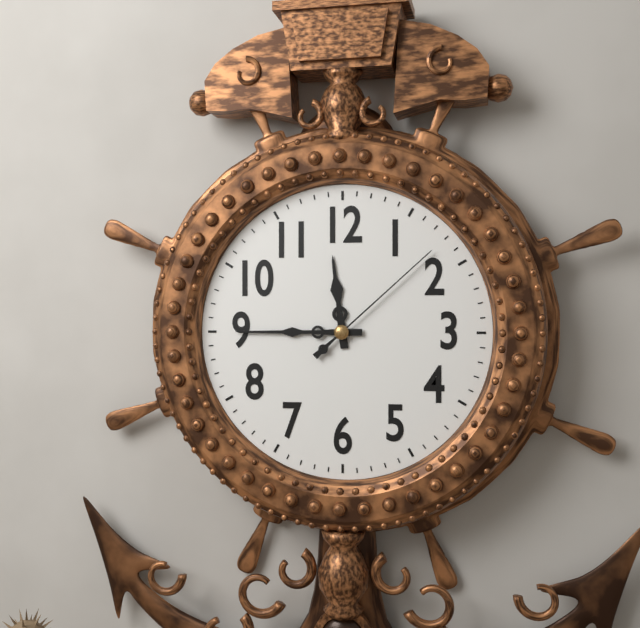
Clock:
{"hour": 11, "minute": 45, "second": 8}
